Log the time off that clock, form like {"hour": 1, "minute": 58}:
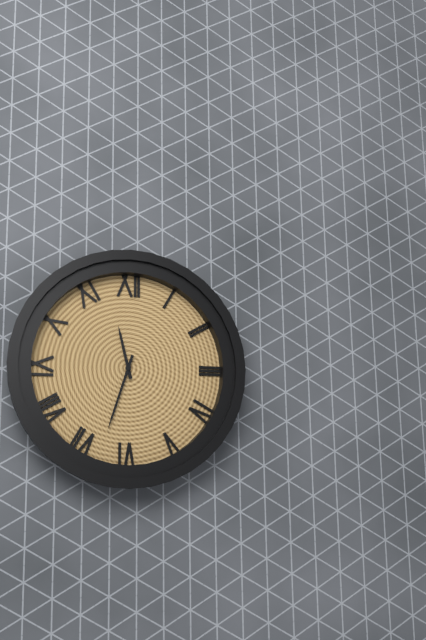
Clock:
{"hour": 11, "minute": 33}
